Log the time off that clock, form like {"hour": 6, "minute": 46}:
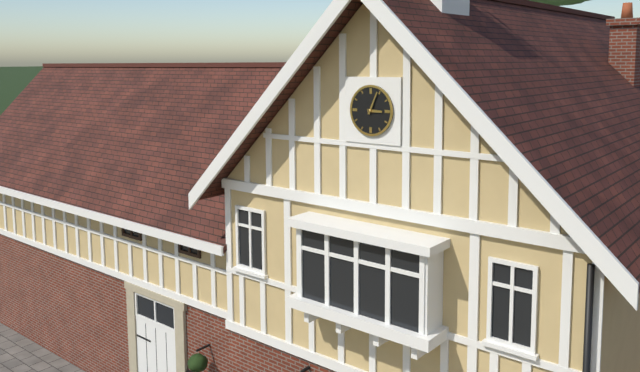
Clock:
{"hour": 3, "minute": 4}
